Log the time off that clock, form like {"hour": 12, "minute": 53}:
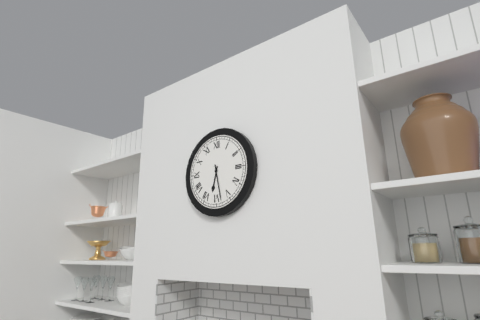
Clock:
{"hour": 6, "minute": 28}
